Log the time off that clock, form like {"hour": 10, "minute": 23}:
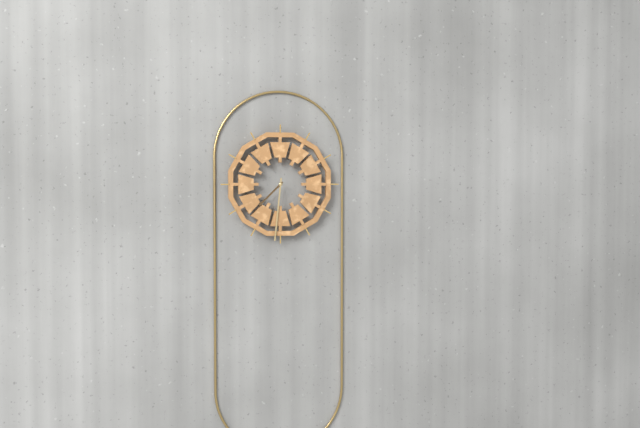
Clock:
{"hour": 7, "minute": 31}
